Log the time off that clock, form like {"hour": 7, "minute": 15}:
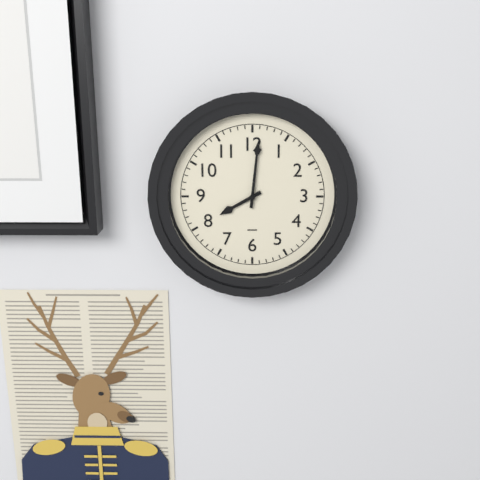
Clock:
{"hour": 8, "minute": 1}
